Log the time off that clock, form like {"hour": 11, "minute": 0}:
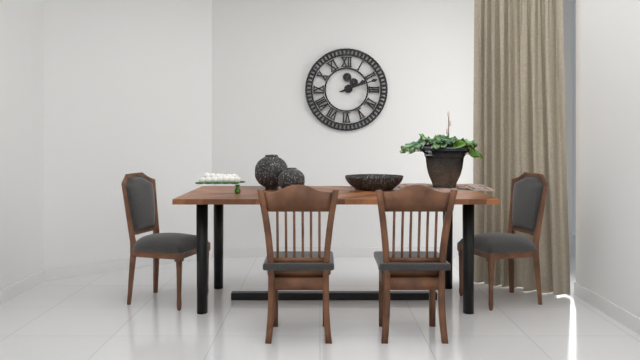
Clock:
{"hour": 2, "minute": 12}
